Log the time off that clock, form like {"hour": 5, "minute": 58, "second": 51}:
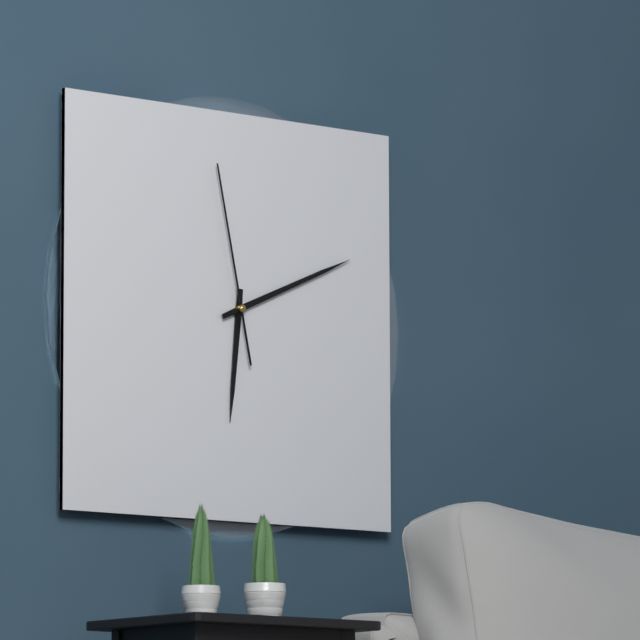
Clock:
{"hour": 6, "minute": 11, "second": 58}
